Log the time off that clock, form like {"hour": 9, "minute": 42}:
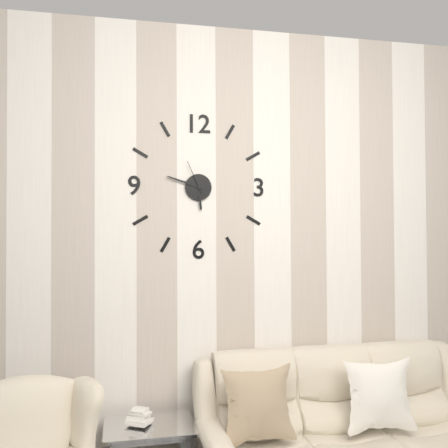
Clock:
{"hour": 5, "minute": 48}
